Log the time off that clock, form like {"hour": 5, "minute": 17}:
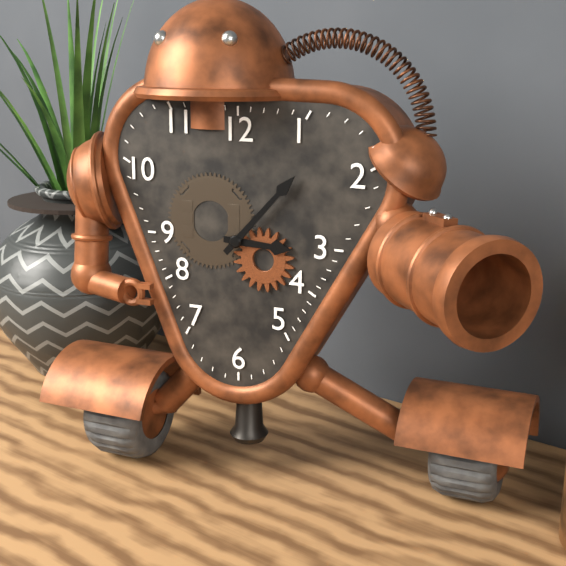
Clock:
{"hour": 3, "minute": 7}
